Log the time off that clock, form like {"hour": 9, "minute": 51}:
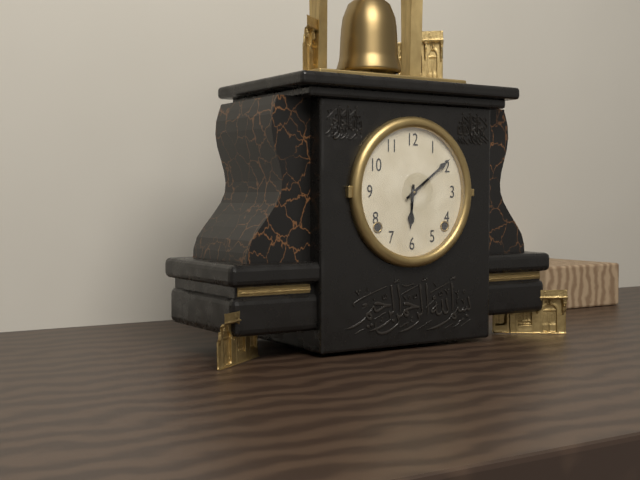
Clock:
{"hour": 6, "minute": 9}
